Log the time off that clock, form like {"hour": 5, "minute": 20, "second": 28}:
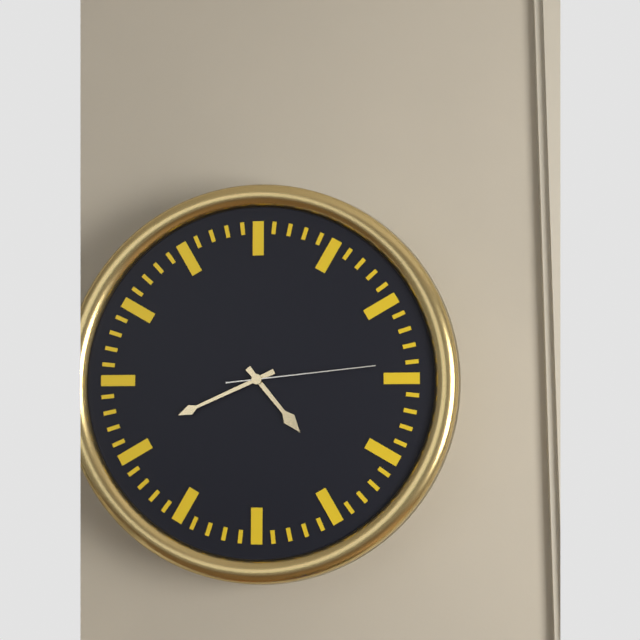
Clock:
{"hour": 4, "minute": 41, "second": 14}
